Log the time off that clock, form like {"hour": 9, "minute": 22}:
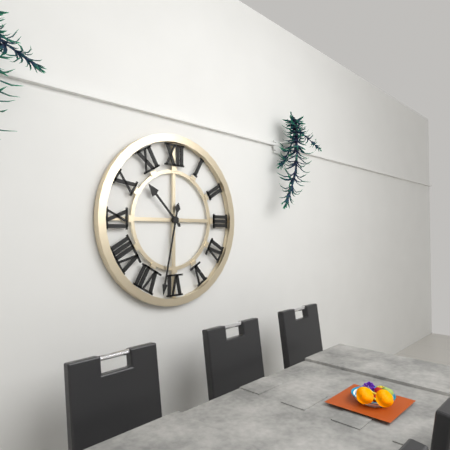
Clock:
{"hour": 10, "minute": 32}
